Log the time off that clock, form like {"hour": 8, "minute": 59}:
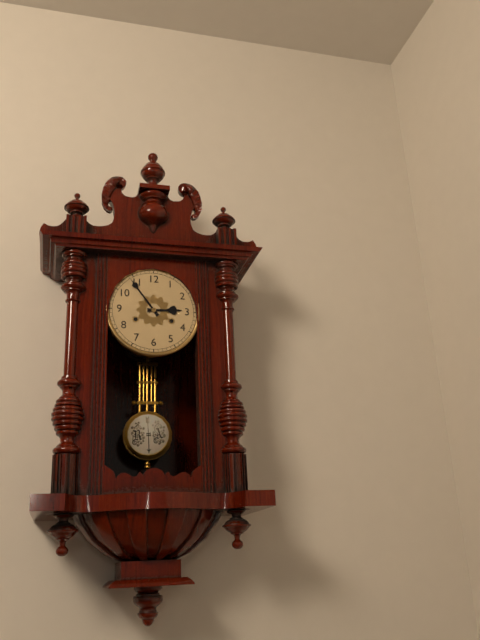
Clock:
{"hour": 2, "minute": 54}
